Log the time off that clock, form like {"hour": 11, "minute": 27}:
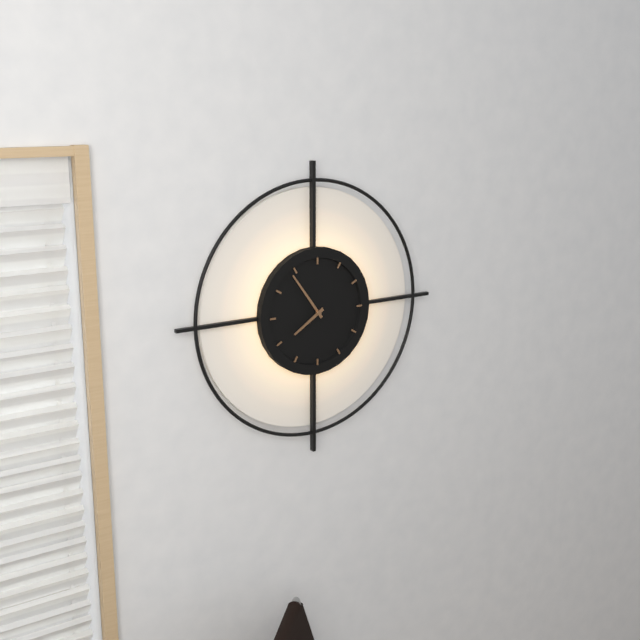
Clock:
{"hour": 7, "minute": 54}
